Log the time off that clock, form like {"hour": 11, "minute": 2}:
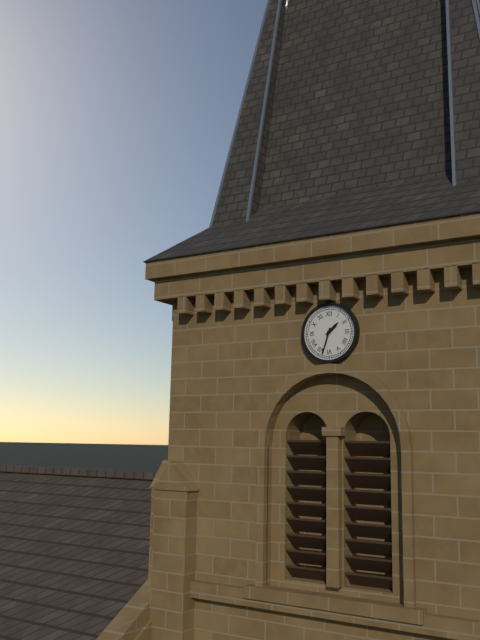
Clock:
{"hour": 1, "minute": 33}
